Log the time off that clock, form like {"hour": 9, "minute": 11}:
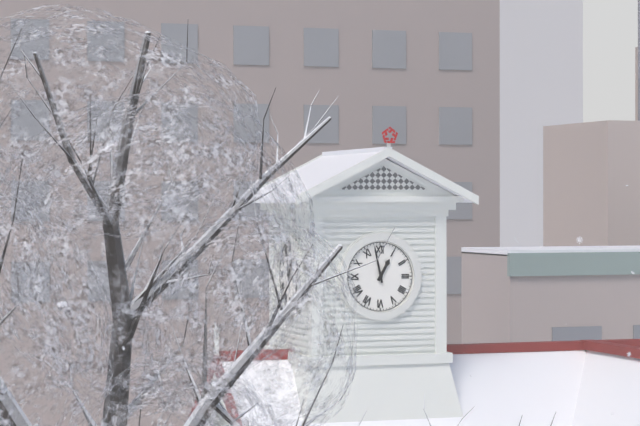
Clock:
{"hour": 12, "minute": 58}
